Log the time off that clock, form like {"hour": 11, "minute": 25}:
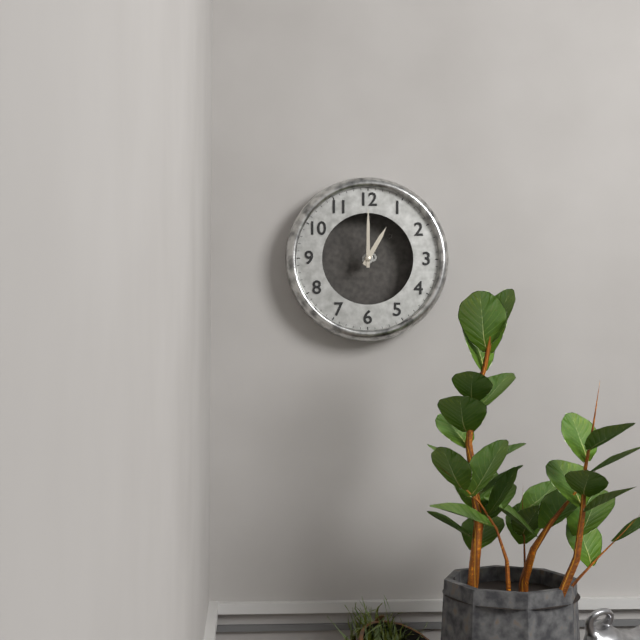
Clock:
{"hour": 1, "minute": 0}
